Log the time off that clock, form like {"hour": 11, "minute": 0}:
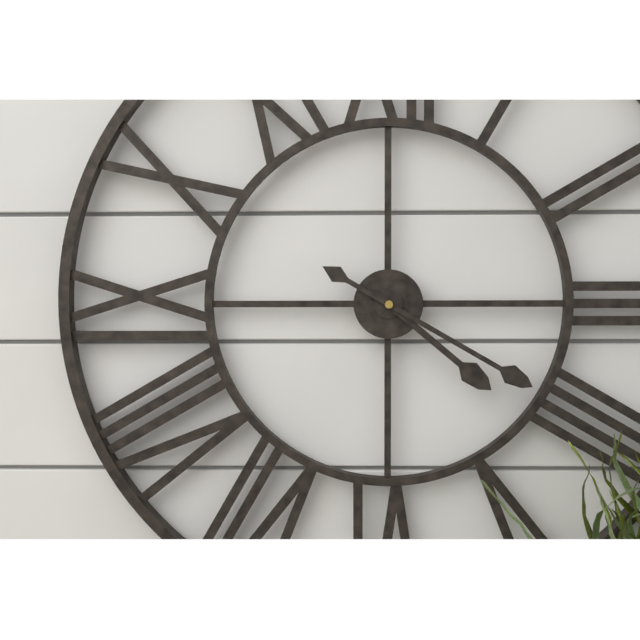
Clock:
{"hour": 4, "minute": 20}
